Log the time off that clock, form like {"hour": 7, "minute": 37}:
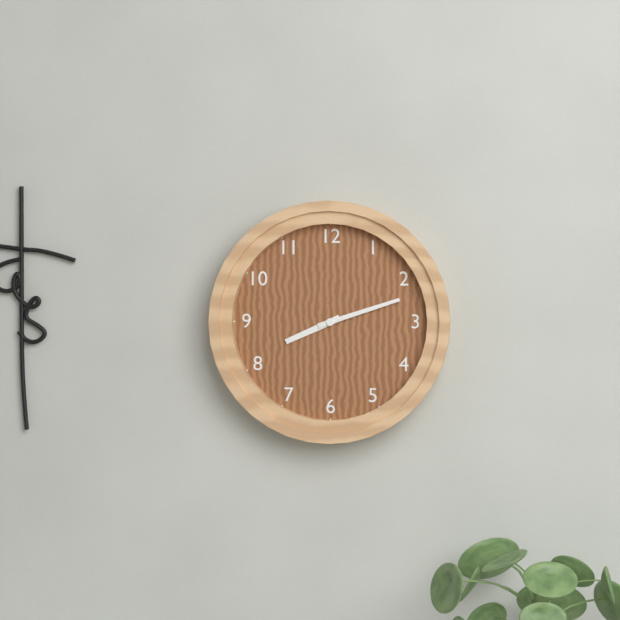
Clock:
{"hour": 8, "minute": 12}
